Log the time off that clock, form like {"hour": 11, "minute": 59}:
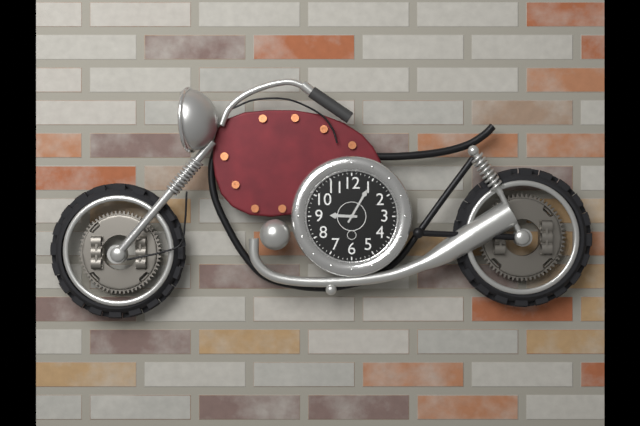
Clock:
{"hour": 9, "minute": 5}
